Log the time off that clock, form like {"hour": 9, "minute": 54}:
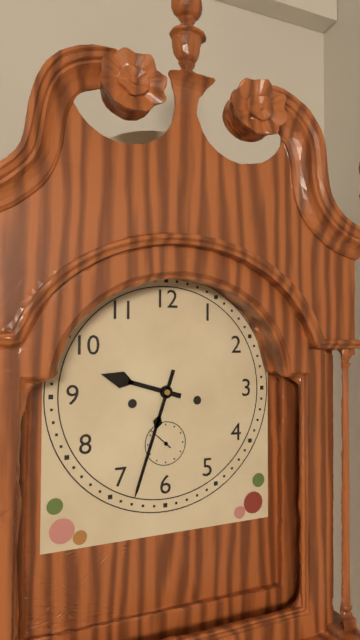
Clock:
{"hour": 9, "minute": 33}
